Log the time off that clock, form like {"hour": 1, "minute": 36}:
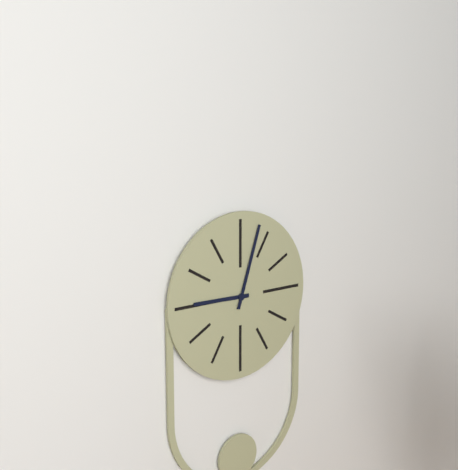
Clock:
{"hour": 9, "minute": 3}
